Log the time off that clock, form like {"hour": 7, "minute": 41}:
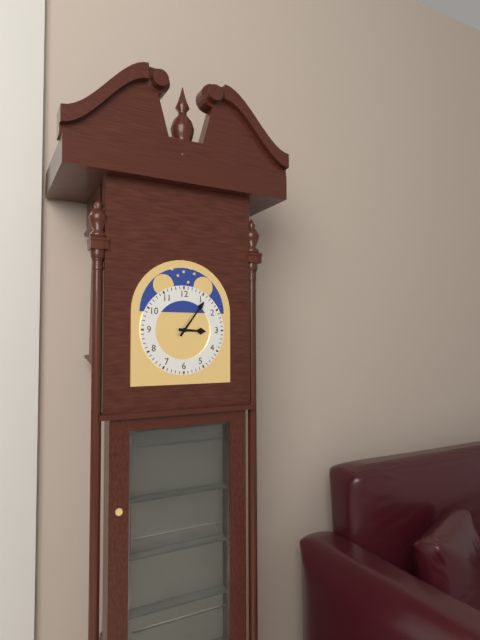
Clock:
{"hour": 3, "minute": 6}
